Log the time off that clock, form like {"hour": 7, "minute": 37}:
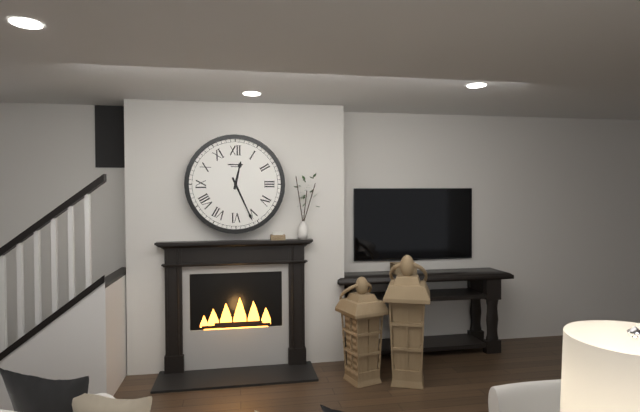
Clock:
{"hour": 12, "minute": 26}
